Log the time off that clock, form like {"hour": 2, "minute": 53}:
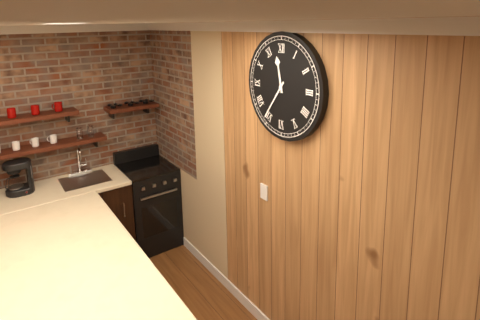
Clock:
{"hour": 11, "minute": 36}
